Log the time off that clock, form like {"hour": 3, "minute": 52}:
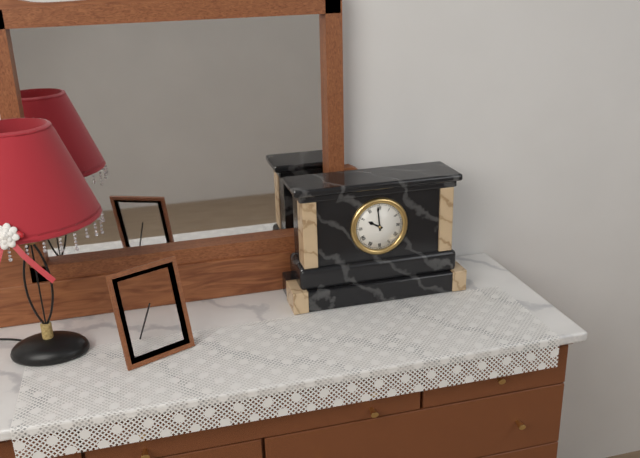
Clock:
{"hour": 9, "minute": 59}
